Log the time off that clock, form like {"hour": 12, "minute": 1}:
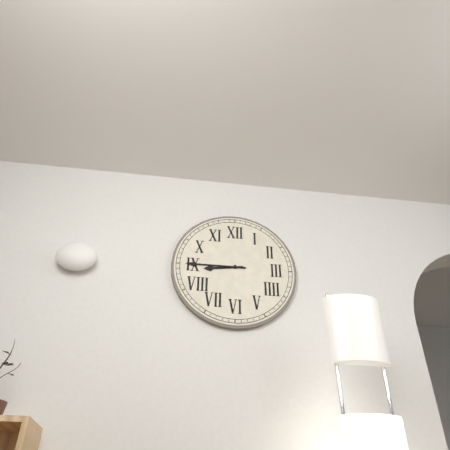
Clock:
{"hour": 8, "minute": 45}
